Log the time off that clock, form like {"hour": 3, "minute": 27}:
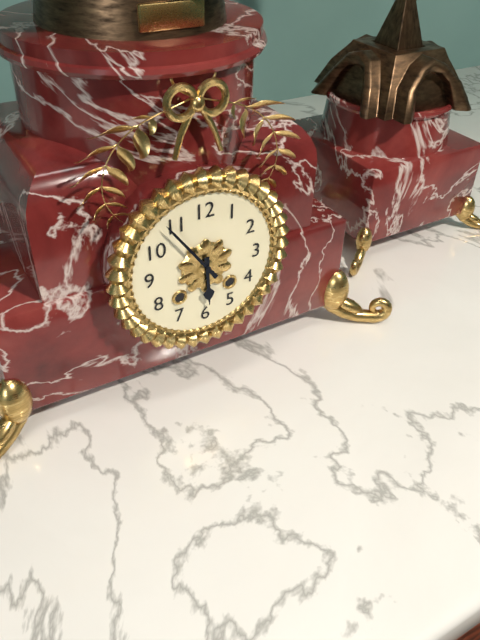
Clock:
{"hour": 5, "minute": 54}
